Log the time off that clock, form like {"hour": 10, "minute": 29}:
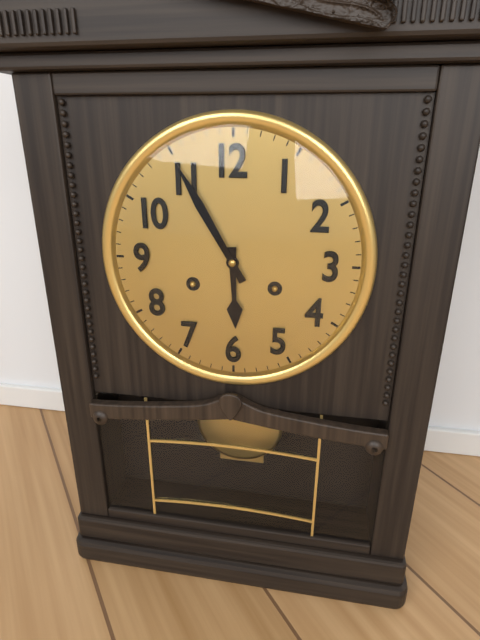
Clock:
{"hour": 5, "minute": 55}
